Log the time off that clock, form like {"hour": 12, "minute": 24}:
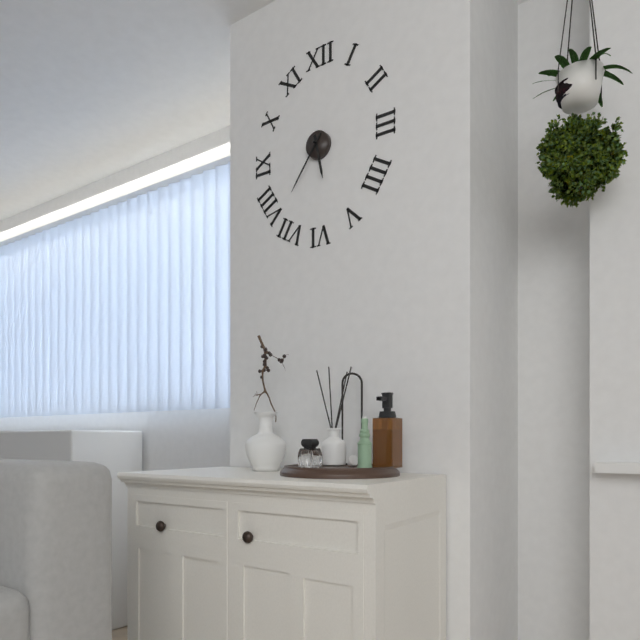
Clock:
{"hour": 5, "minute": 36}
